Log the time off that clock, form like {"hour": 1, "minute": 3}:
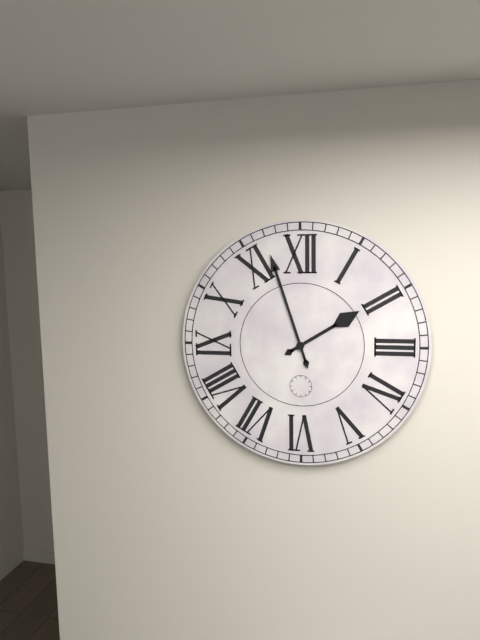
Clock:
{"hour": 1, "minute": 57}
